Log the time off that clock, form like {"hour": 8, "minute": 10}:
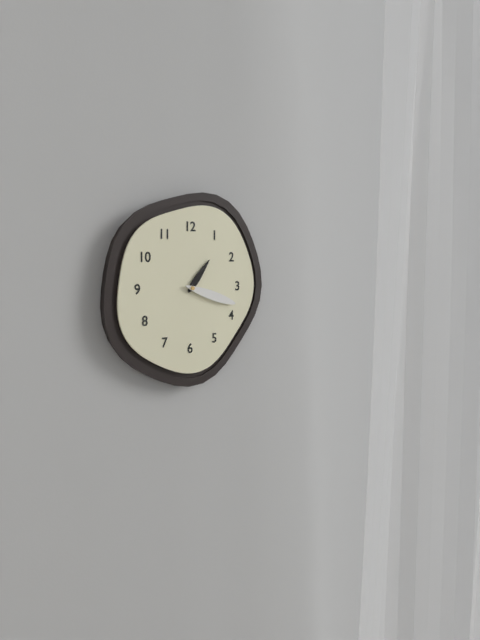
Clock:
{"hour": 1, "minute": 18}
